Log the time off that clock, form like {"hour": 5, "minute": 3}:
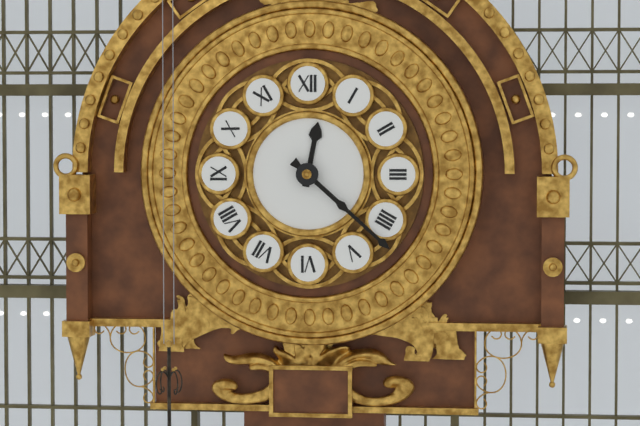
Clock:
{"hour": 12, "minute": 22}
